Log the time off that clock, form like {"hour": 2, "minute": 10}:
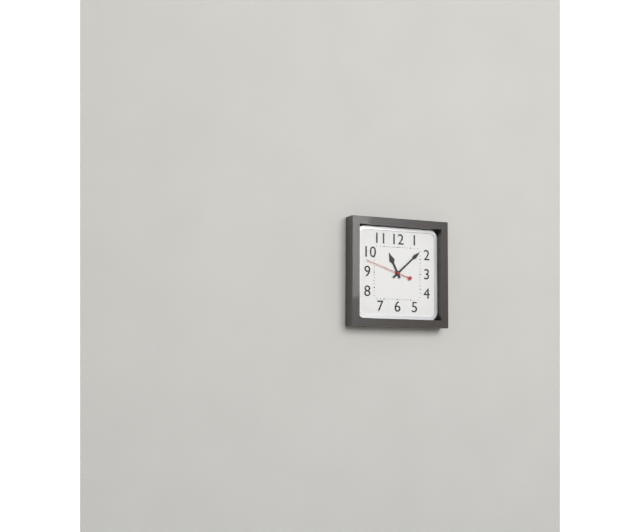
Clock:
{"hour": 11, "minute": 8}
